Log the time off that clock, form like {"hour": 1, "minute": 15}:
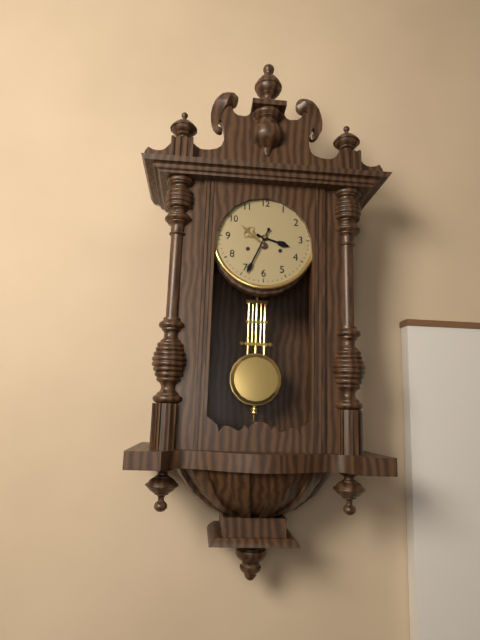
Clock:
{"hour": 3, "minute": 34}
